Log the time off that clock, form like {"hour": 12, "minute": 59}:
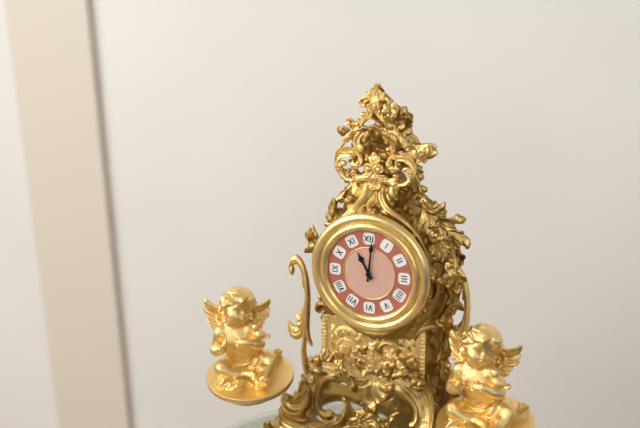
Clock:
{"hour": 11, "minute": 1}
